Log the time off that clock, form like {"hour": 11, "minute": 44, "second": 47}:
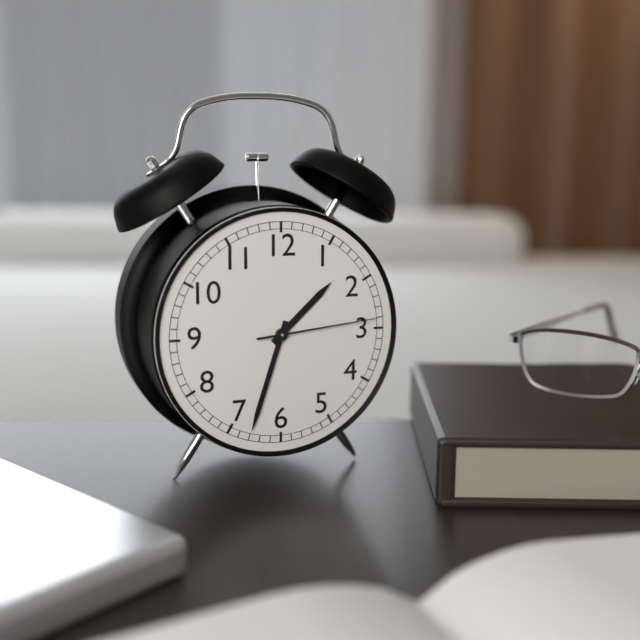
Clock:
{"hour": 1, "minute": 33, "second": 14}
